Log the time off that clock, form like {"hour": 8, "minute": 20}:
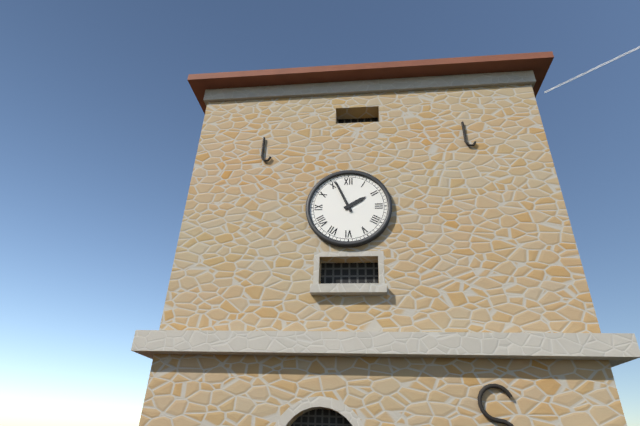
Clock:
{"hour": 1, "minute": 56}
